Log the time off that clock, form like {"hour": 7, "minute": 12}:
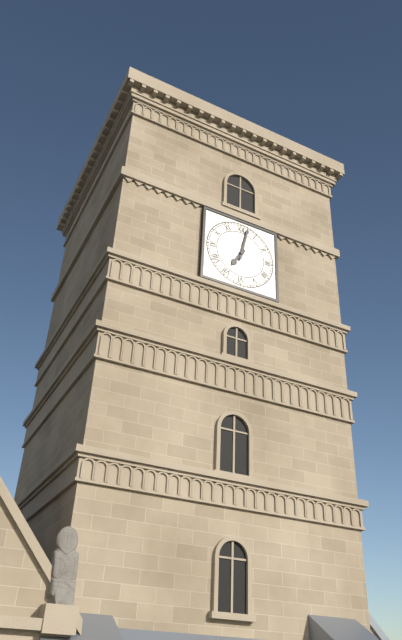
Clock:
{"hour": 7, "minute": 2}
